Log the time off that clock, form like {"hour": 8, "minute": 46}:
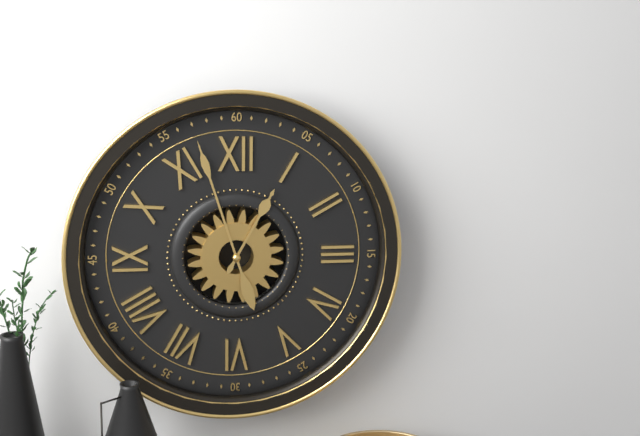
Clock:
{"hour": 12, "minute": 57}
